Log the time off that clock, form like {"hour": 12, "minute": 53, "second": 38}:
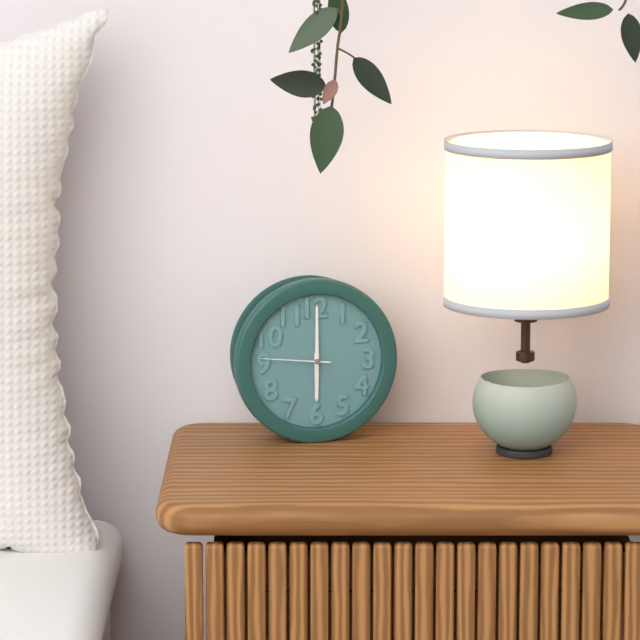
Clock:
{"hour": 6, "minute": 0, "second": 46}
